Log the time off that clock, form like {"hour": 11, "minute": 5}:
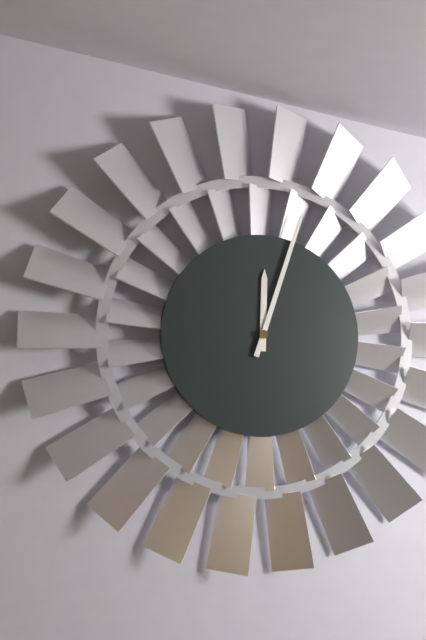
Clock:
{"hour": 12, "minute": 3}
